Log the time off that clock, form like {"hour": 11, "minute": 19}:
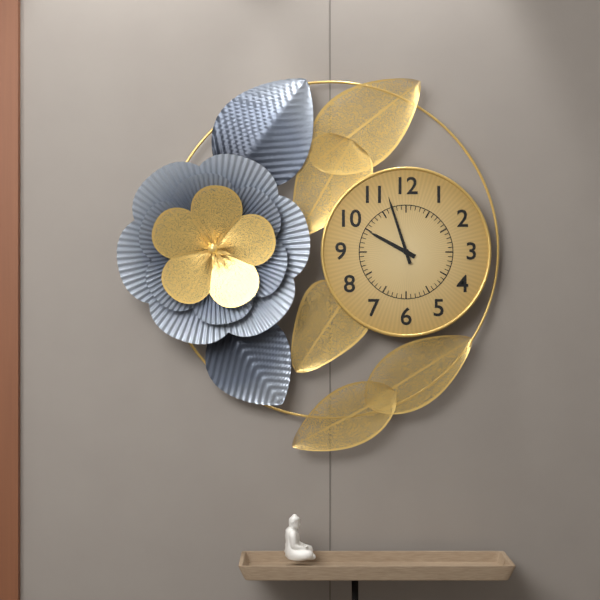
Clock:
{"hour": 9, "minute": 57}
